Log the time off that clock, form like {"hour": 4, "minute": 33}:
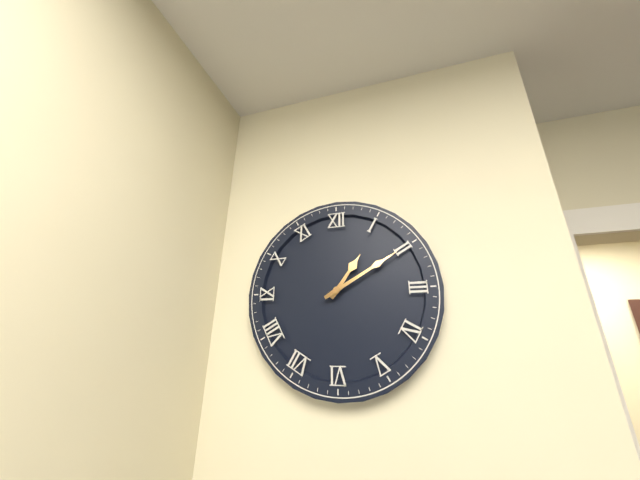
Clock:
{"hour": 1, "minute": 10}
